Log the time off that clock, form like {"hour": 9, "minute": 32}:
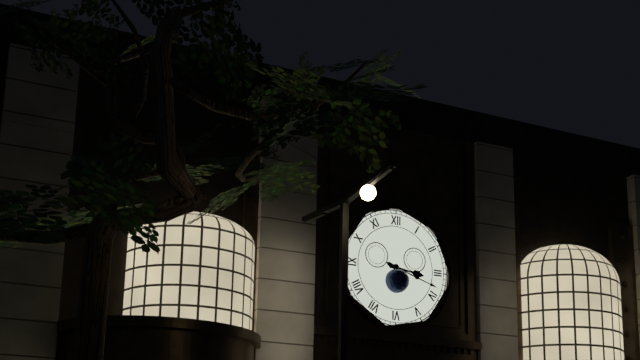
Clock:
{"hour": 3, "minute": 18}
